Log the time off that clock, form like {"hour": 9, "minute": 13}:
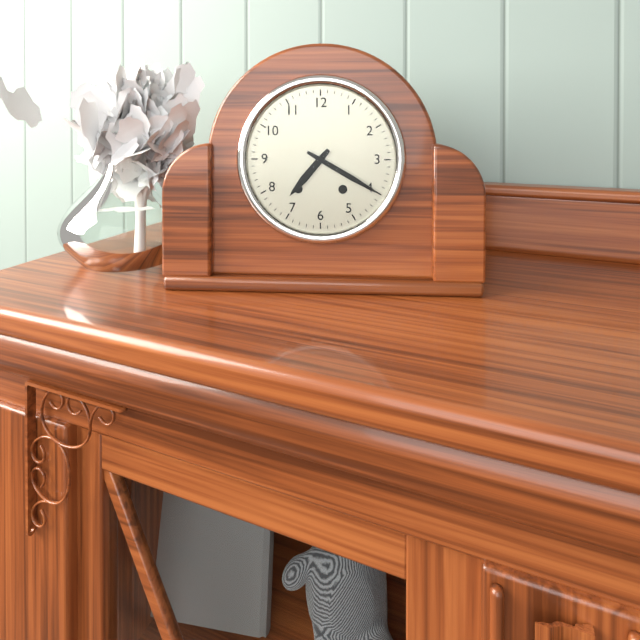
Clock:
{"hour": 7, "minute": 20}
